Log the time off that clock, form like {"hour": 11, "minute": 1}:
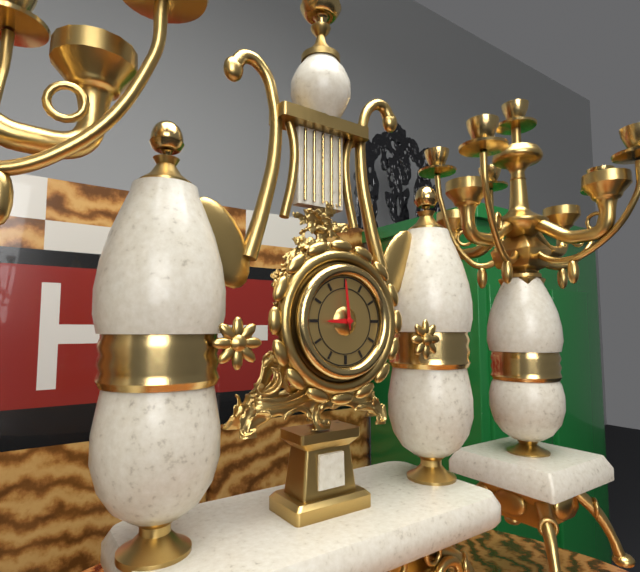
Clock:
{"hour": 8, "minute": 59}
